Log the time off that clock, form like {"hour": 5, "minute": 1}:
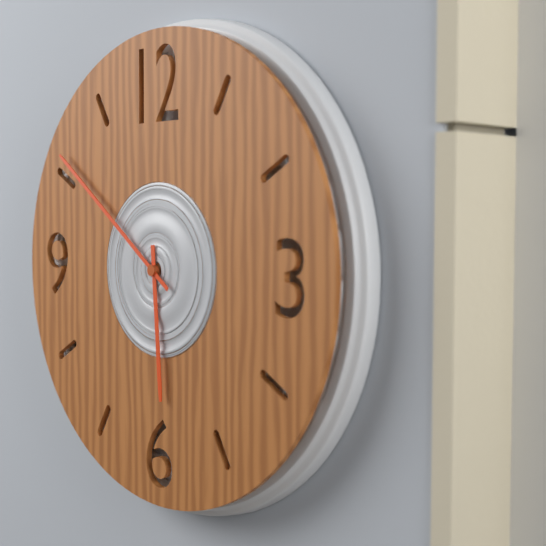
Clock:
{"hour": 5, "minute": 51}
